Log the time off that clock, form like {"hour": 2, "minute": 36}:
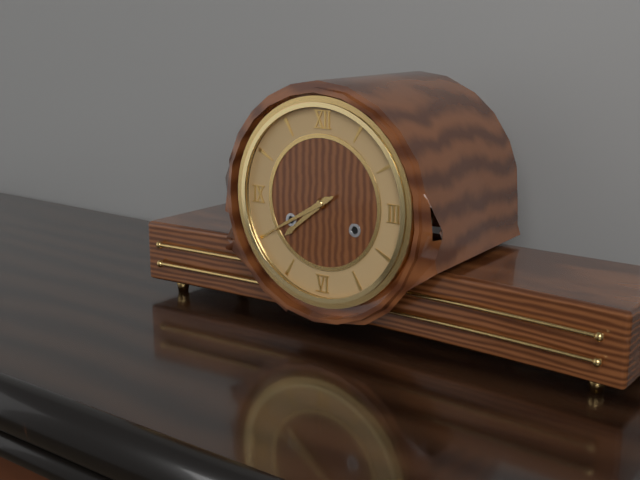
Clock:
{"hour": 7, "minute": 40}
